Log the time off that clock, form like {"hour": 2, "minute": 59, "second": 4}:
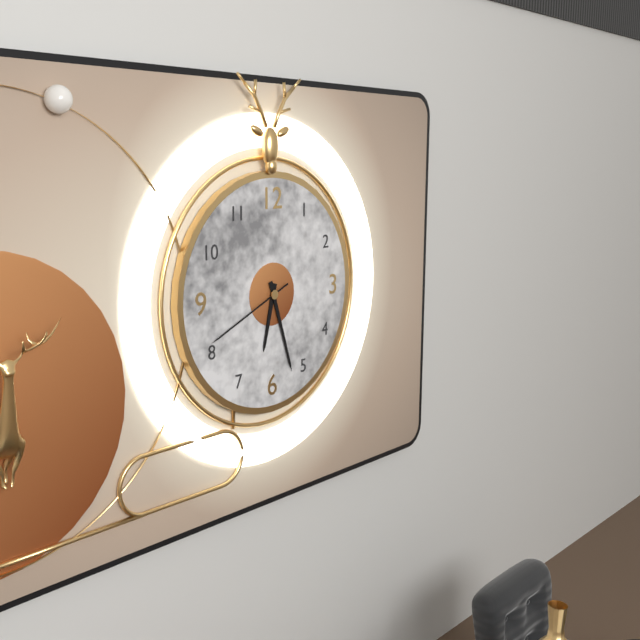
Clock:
{"hour": 6, "minute": 27, "second": 41}
